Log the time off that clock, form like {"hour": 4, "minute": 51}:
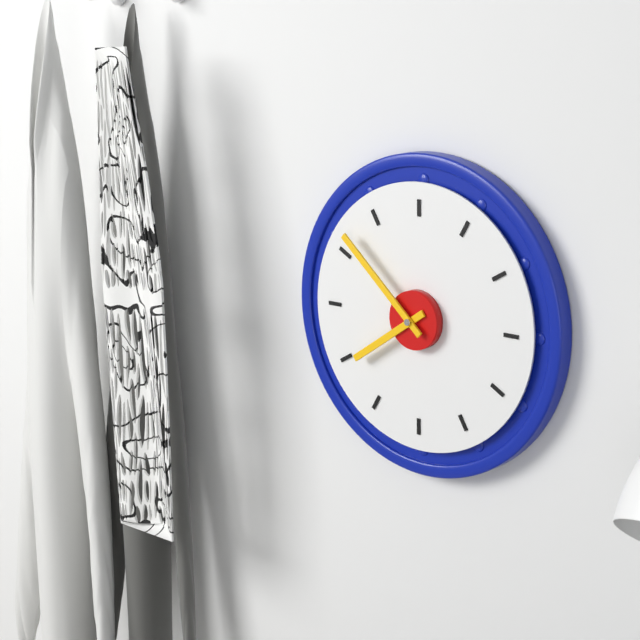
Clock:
{"hour": 7, "minute": 52}
